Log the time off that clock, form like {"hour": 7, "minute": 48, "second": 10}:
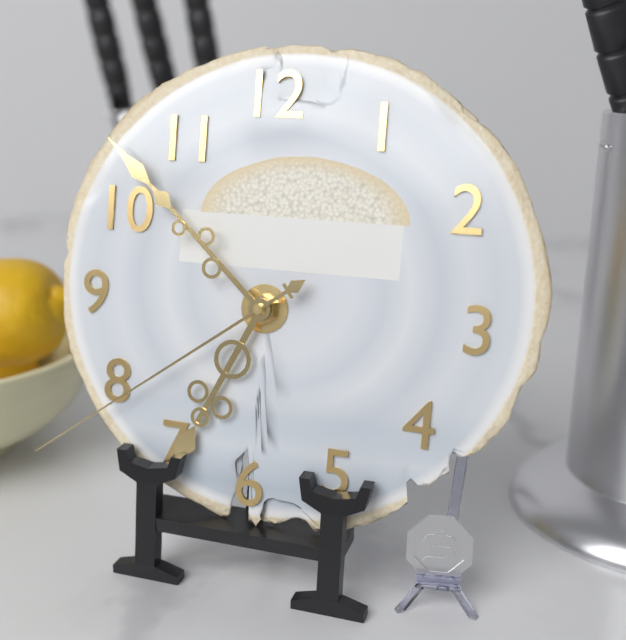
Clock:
{"hour": 6, "minute": 52, "second": 39}
